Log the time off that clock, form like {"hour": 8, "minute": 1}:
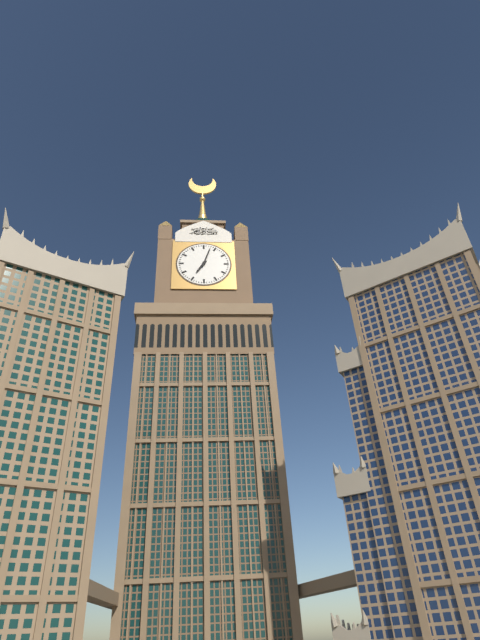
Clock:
{"hour": 7, "minute": 3}
